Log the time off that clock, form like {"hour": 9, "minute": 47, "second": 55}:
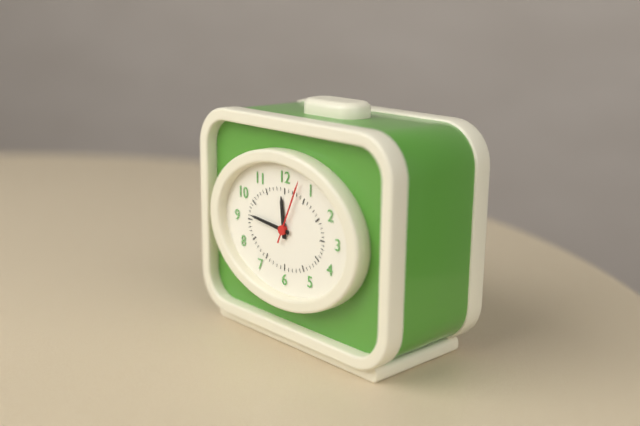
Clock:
{"hour": 11, "minute": 46, "second": 4}
